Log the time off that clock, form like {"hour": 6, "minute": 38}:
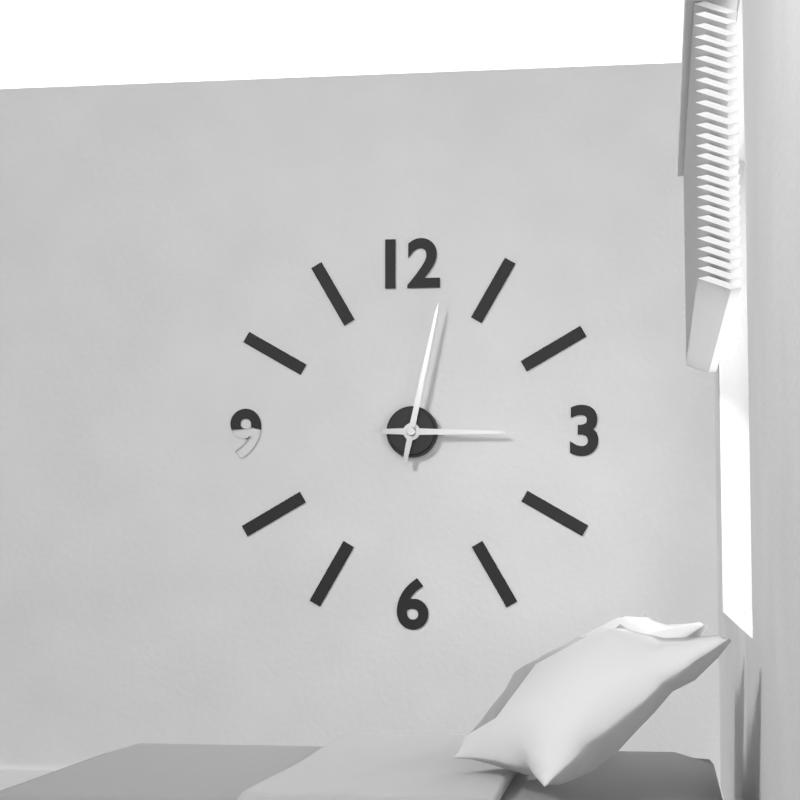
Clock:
{"hour": 3, "minute": 2}
